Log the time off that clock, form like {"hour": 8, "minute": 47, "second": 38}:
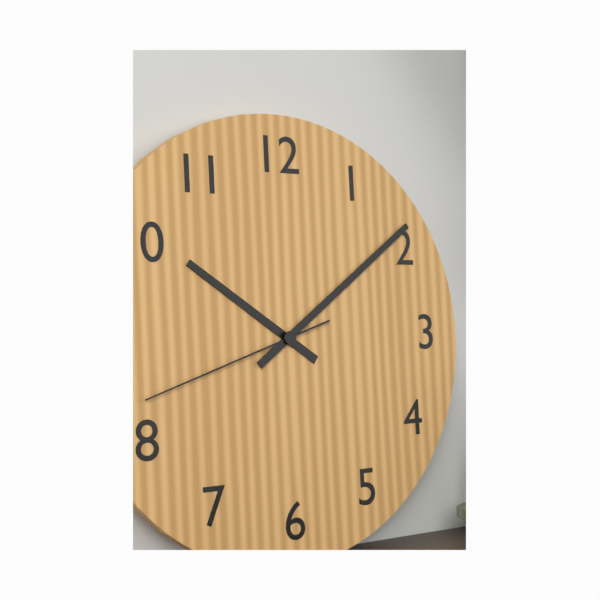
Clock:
{"hour": 10, "minute": 9, "second": 42}
